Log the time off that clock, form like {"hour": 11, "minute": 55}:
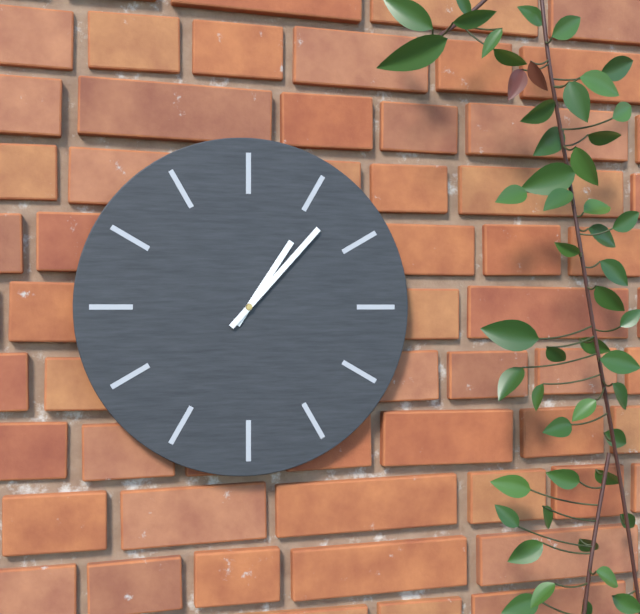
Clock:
{"hour": 1, "minute": 7}
